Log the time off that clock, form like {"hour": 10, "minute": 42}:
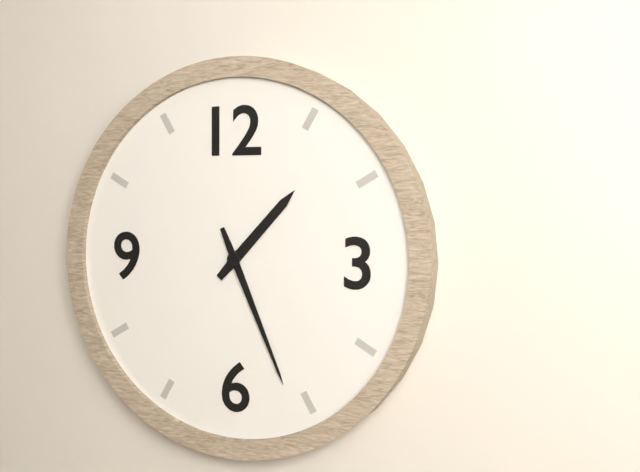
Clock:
{"hour": 1, "minute": 26}
